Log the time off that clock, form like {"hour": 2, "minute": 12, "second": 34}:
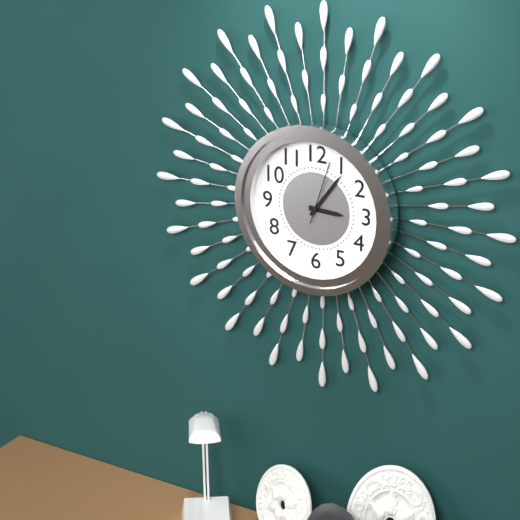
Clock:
{"hour": 3, "minute": 6, "second": 3}
